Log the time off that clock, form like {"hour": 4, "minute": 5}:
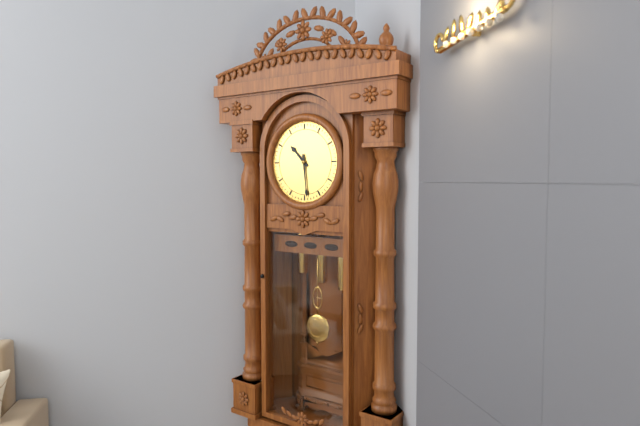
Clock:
{"hour": 10, "minute": 29}
